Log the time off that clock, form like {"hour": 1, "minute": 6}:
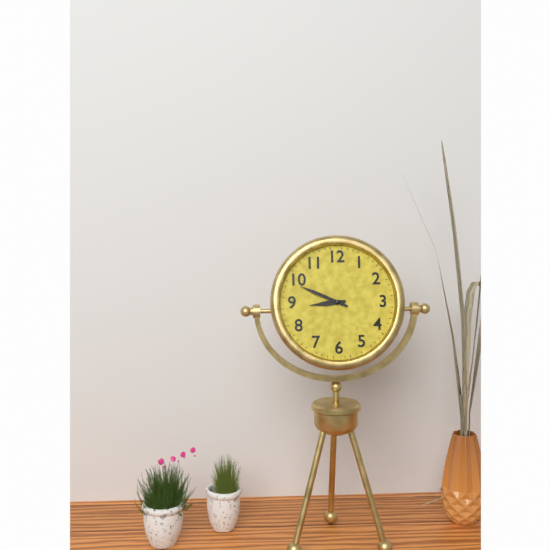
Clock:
{"hour": 8, "minute": 49}
